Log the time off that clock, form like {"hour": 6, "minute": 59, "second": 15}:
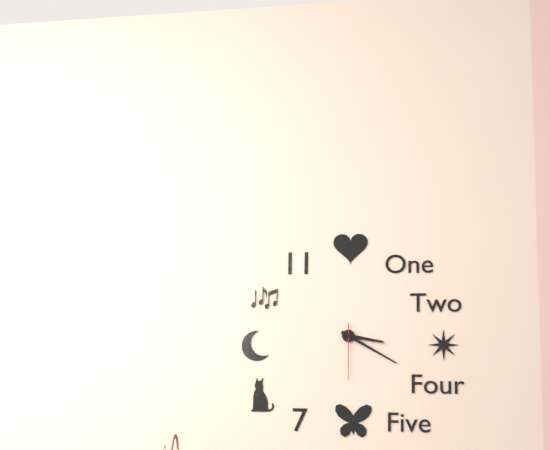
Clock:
{"hour": 3, "minute": 20, "second": 30}
